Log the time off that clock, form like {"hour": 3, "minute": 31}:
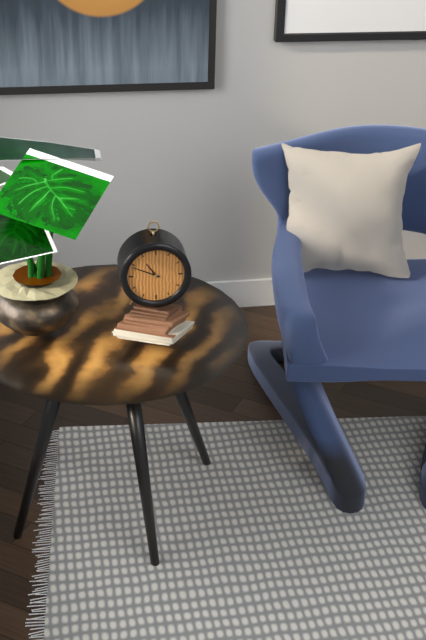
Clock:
{"hour": 10, "minute": 49}
